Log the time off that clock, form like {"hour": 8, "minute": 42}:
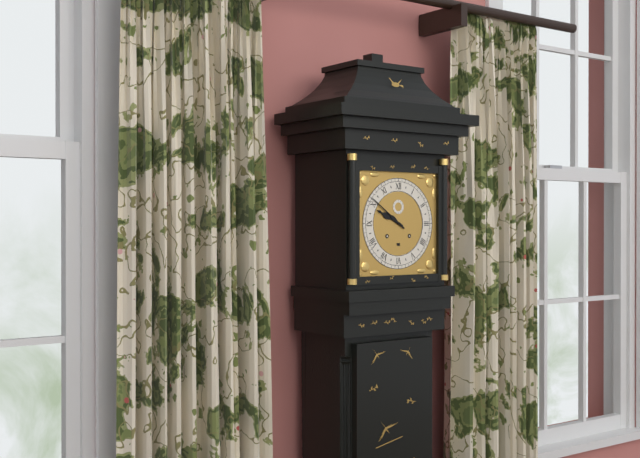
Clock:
{"hour": 9, "minute": 51}
